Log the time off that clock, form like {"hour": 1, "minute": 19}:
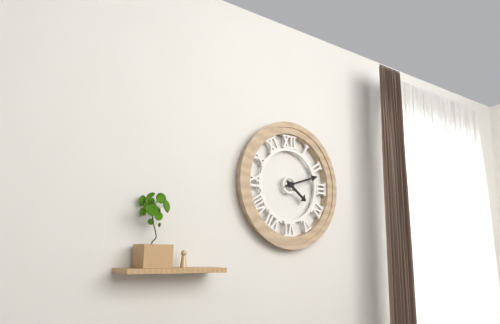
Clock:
{"hour": 4, "minute": 12}
